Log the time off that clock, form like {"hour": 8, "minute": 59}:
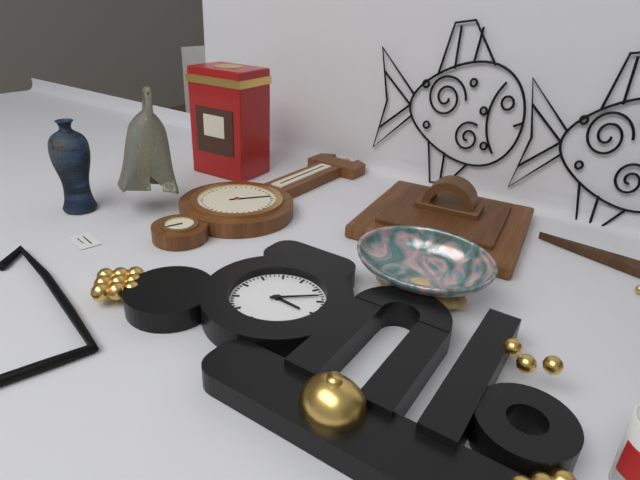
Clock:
{"hour": 3, "minute": 8}
